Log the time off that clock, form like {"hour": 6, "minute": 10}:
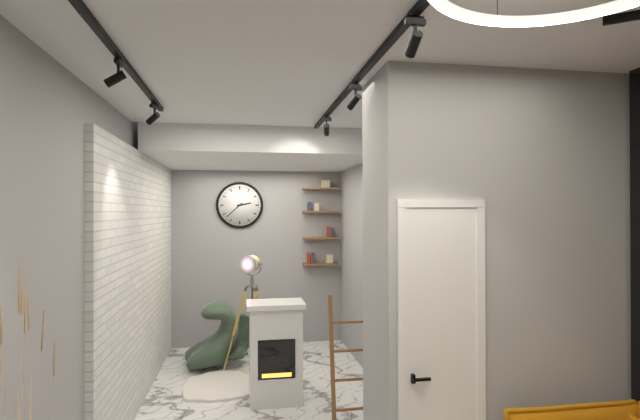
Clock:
{"hour": 2, "minute": 38}
